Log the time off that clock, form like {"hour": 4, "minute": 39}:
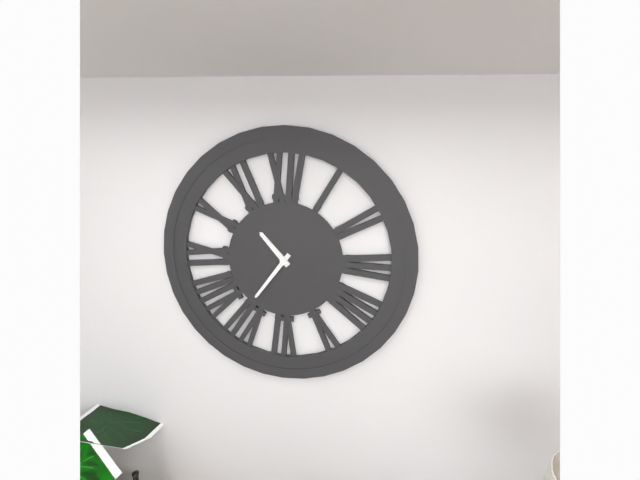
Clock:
{"hour": 10, "minute": 36}
